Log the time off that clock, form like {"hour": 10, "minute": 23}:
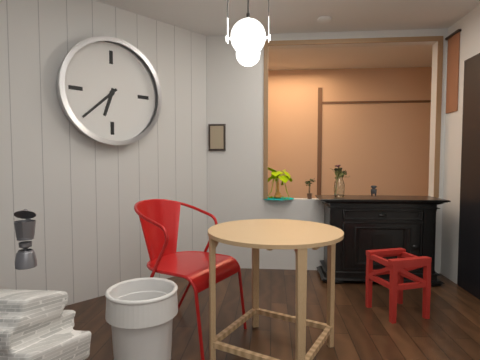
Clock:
{"hour": 6, "minute": 38}
